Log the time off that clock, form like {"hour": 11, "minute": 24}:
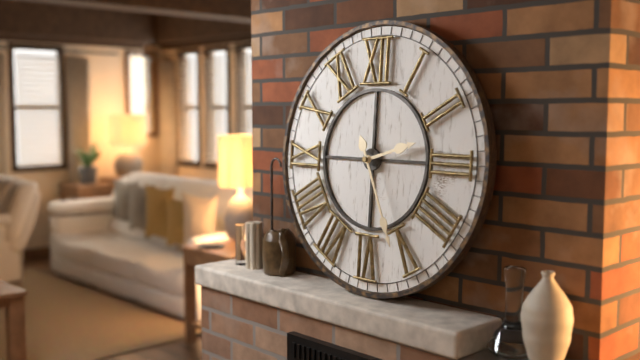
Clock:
{"hour": 2, "minute": 26}
